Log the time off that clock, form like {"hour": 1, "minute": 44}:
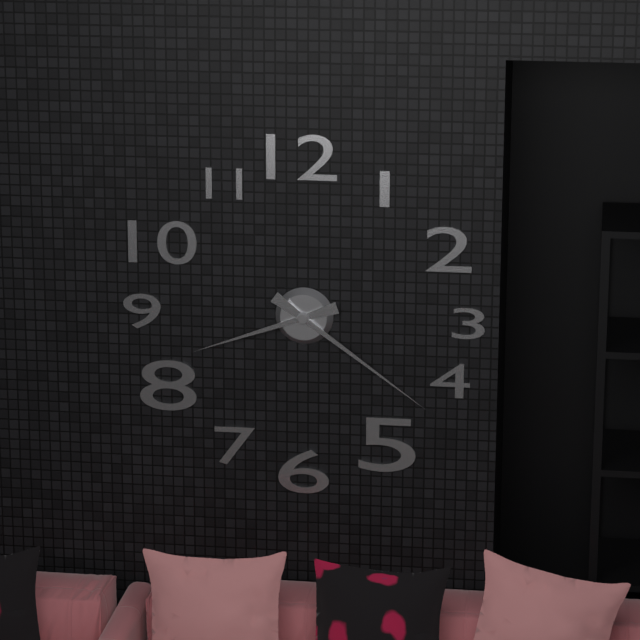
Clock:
{"hour": 8, "minute": 21}
